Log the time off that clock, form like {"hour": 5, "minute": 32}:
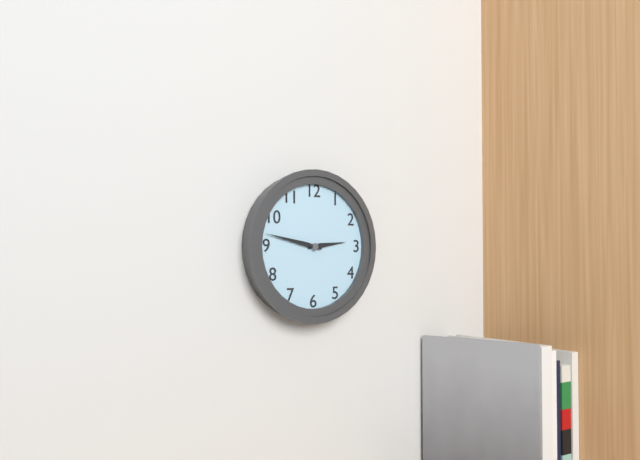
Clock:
{"hour": 2, "minute": 47}
